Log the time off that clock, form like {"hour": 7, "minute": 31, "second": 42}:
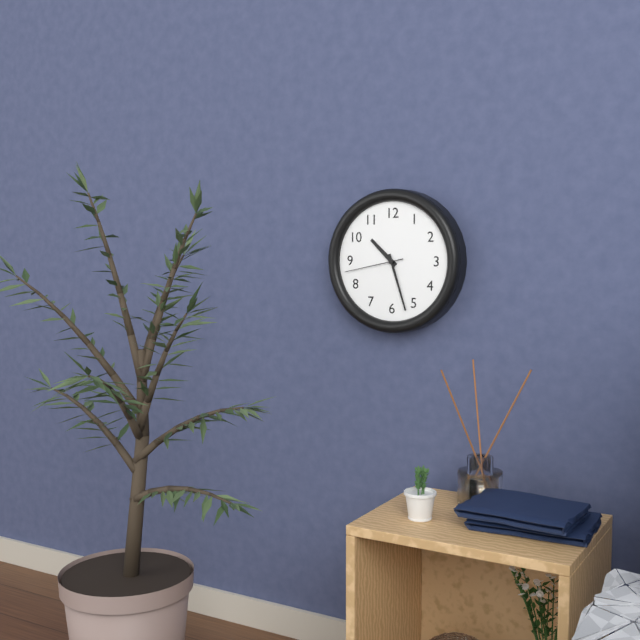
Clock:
{"hour": 10, "minute": 27, "second": 43}
